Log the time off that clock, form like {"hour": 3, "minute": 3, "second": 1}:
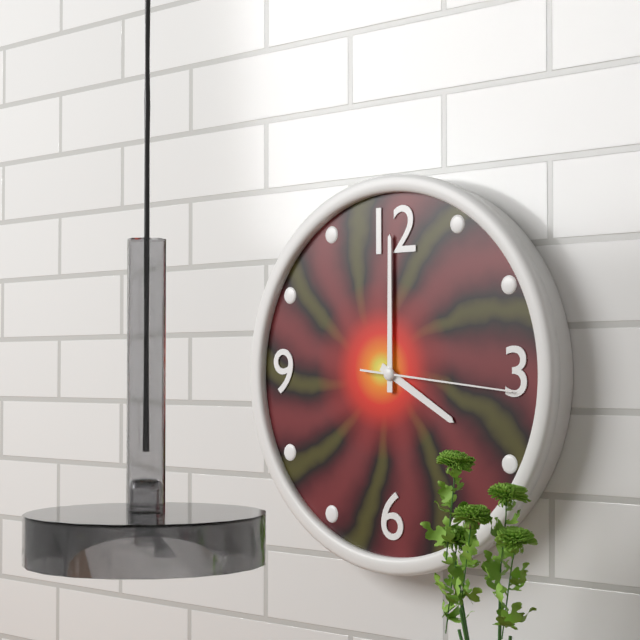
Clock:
{"hour": 4, "minute": 0, "second": 16}
